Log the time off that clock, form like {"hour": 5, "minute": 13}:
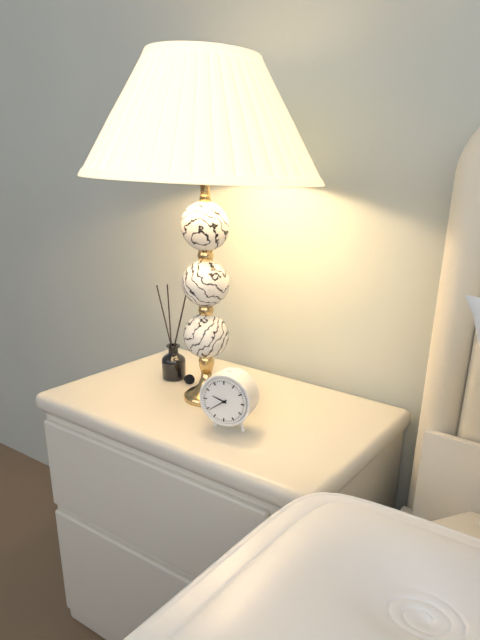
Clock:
{"hour": 9, "minute": 39}
